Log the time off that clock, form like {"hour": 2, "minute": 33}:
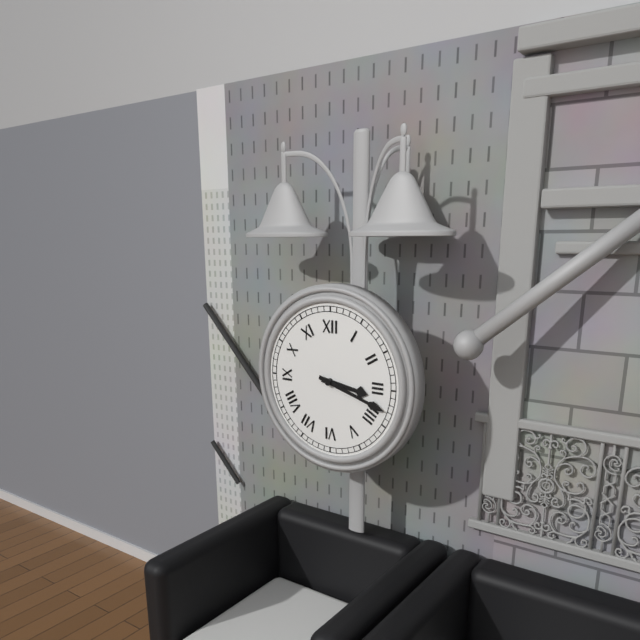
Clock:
{"hour": 3, "minute": 18}
